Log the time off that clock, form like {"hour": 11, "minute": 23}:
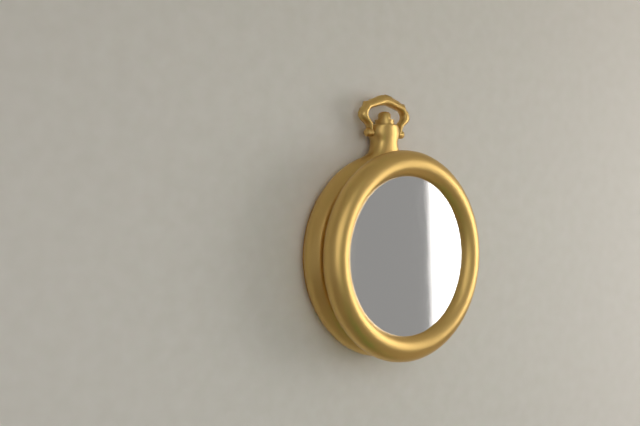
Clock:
{"hour": 8, "minute": 33}
